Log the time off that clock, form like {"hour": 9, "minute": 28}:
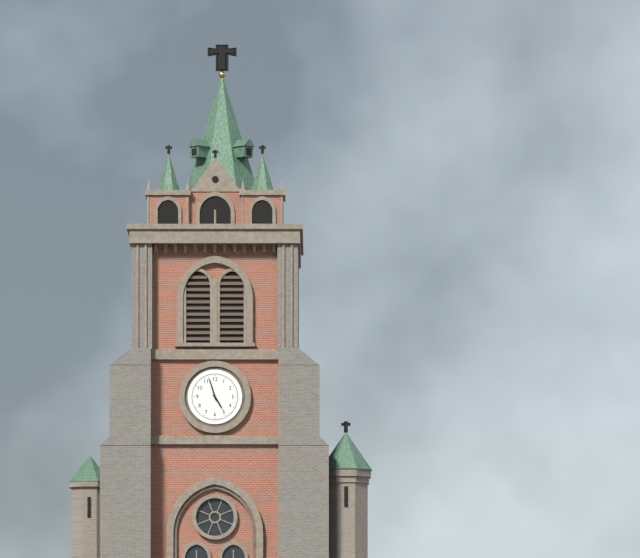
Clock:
{"hour": 4, "minute": 57}
